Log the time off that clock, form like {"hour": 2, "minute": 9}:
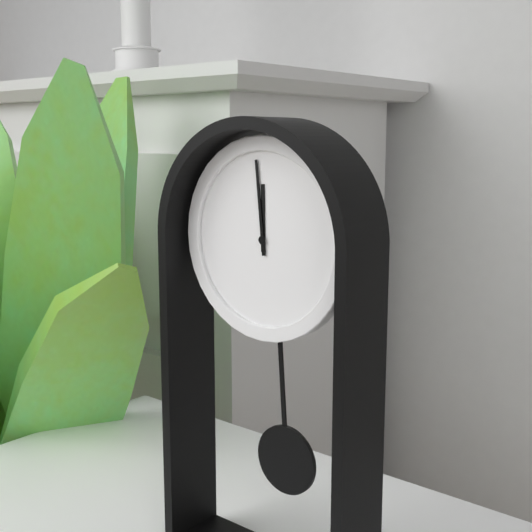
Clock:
{"hour": 11, "minute": 59}
